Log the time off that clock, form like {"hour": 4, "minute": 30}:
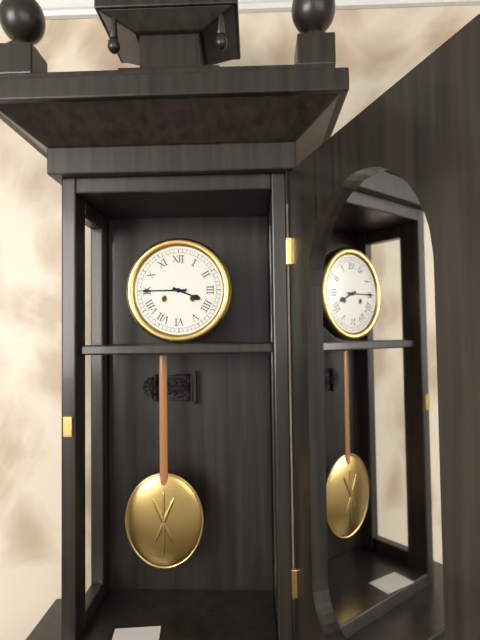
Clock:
{"hour": 3, "minute": 45}
